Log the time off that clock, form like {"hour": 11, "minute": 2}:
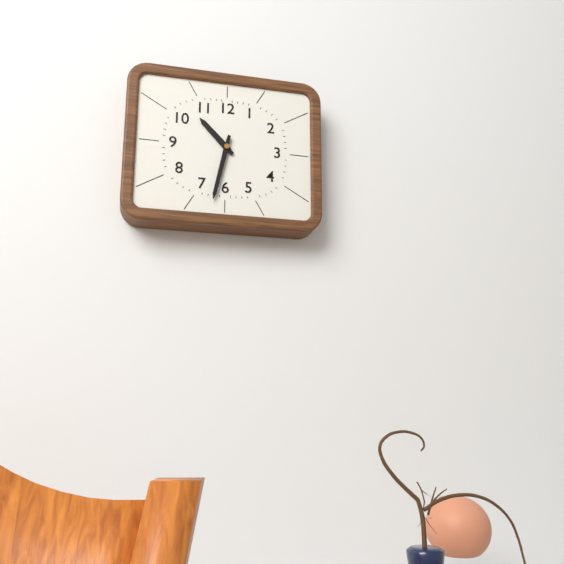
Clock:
{"hour": 10, "minute": 32}
